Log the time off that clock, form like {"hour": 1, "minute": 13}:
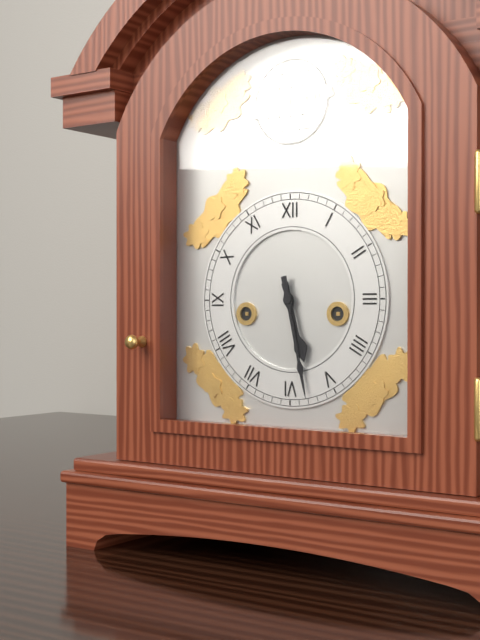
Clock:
{"hour": 5, "minute": 28}
